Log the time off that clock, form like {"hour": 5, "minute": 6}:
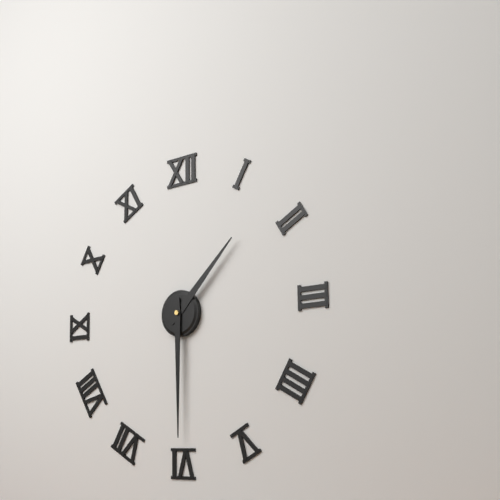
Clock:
{"hour": 1, "minute": 30}
